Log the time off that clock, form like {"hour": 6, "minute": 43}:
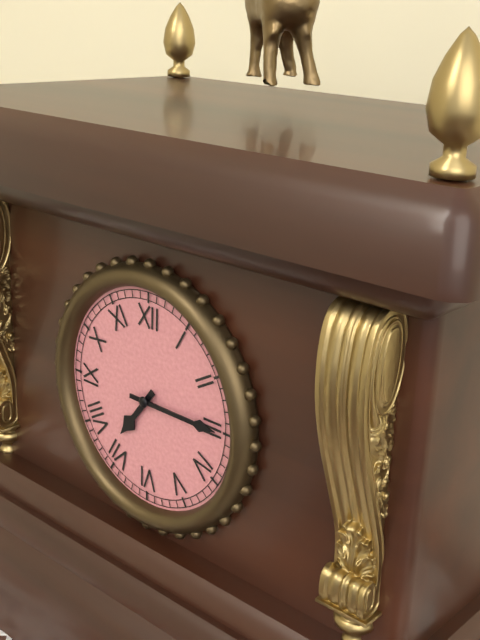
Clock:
{"hour": 7, "minute": 15}
